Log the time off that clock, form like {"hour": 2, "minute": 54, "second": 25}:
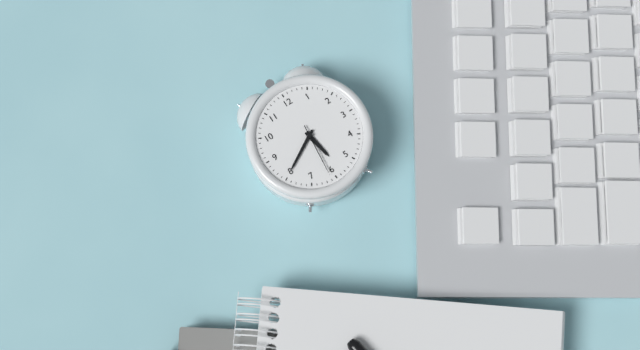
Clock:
{"hour": 5, "minute": 40, "second": 31}
